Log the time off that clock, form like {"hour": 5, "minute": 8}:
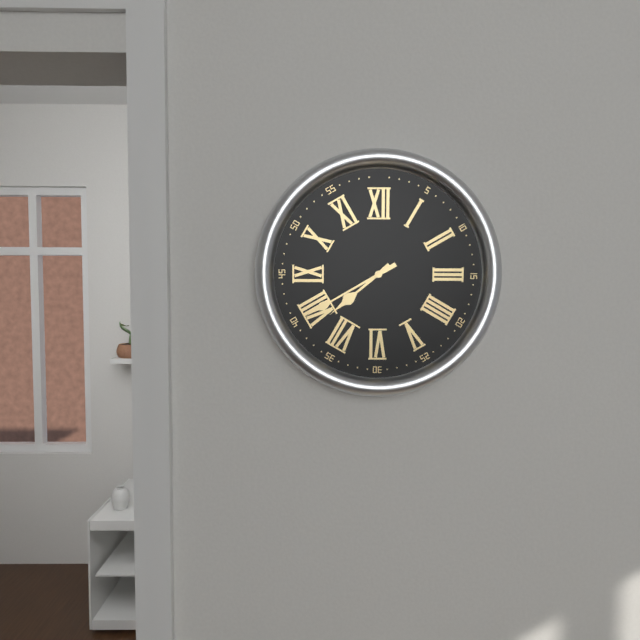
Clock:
{"hour": 7, "minute": 40}
